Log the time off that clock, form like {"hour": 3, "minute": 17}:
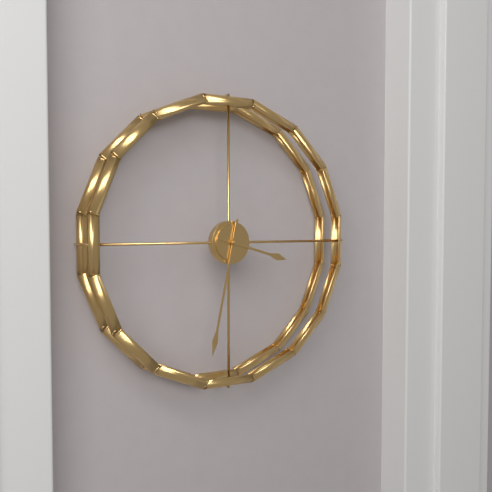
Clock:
{"hour": 3, "minute": 32}
